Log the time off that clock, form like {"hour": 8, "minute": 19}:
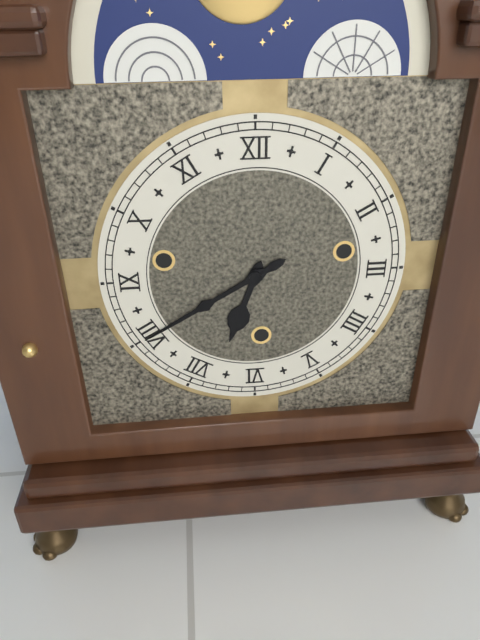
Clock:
{"hour": 6, "minute": 40}
